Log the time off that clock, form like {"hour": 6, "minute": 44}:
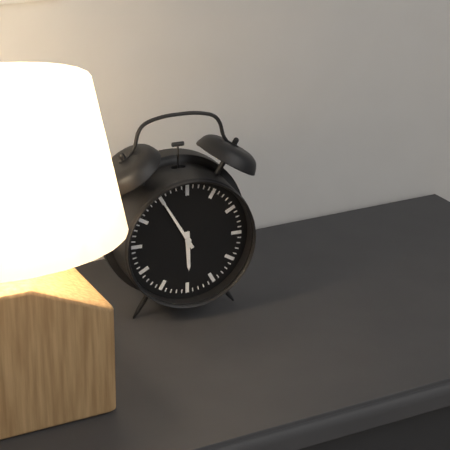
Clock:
{"hour": 5, "minute": 55}
